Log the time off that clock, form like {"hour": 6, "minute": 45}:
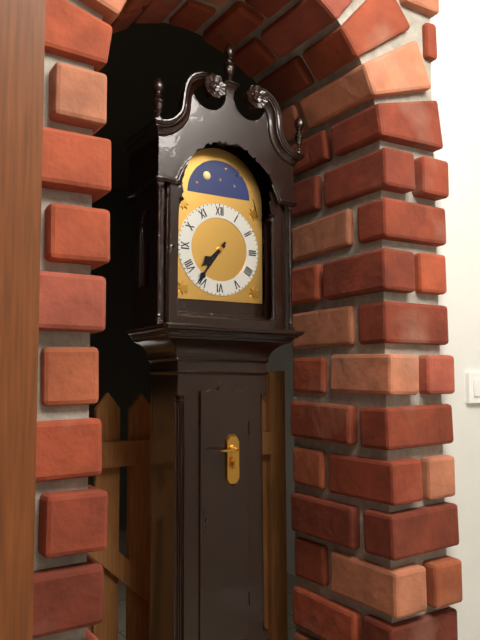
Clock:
{"hour": 7, "minute": 36}
